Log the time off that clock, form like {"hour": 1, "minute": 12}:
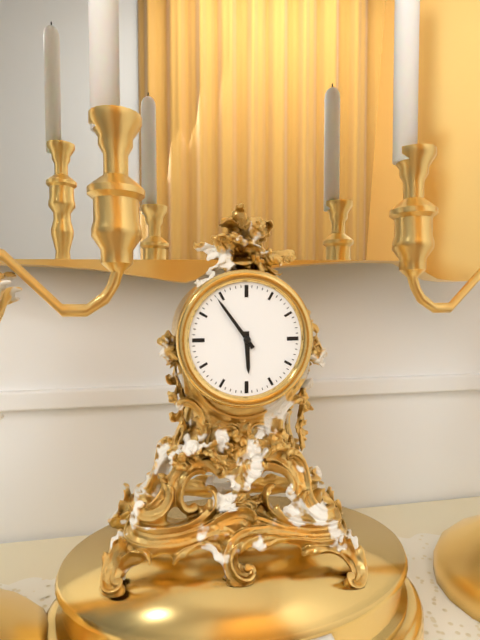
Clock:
{"hour": 5, "minute": 54}
